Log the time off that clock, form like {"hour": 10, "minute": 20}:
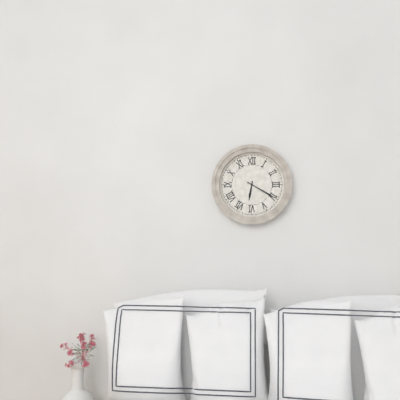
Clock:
{"hour": 6, "minute": 20}
